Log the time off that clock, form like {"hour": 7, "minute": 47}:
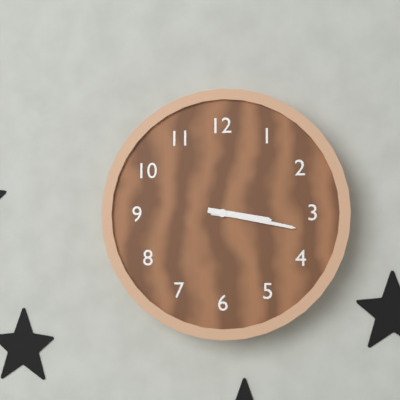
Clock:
{"hour": 3, "minute": 17}
